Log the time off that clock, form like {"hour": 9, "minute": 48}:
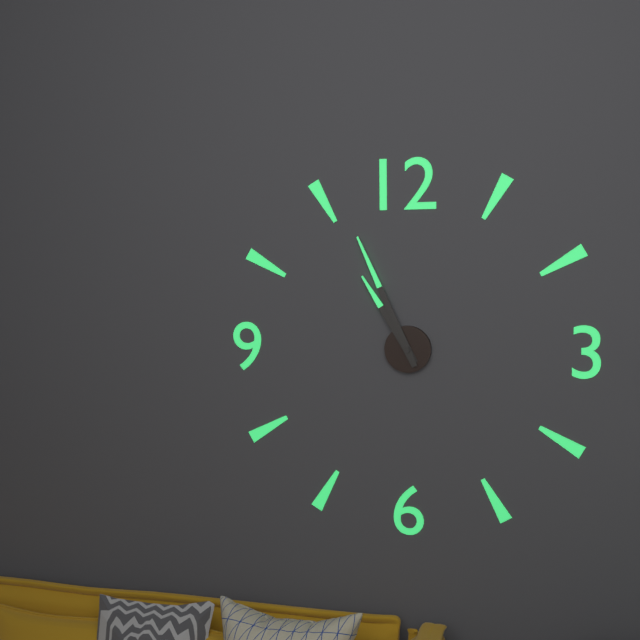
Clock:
{"hour": 10, "minute": 56}
